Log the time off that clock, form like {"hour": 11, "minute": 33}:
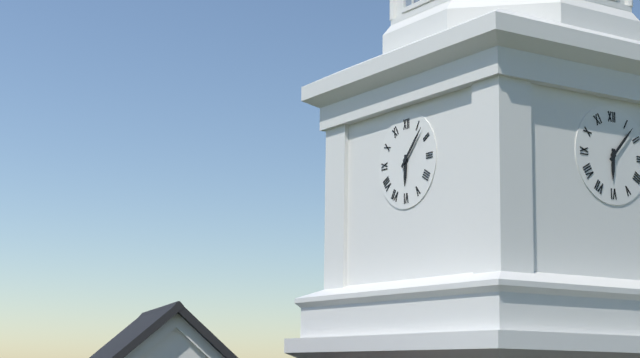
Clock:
{"hour": 6, "minute": 7}
